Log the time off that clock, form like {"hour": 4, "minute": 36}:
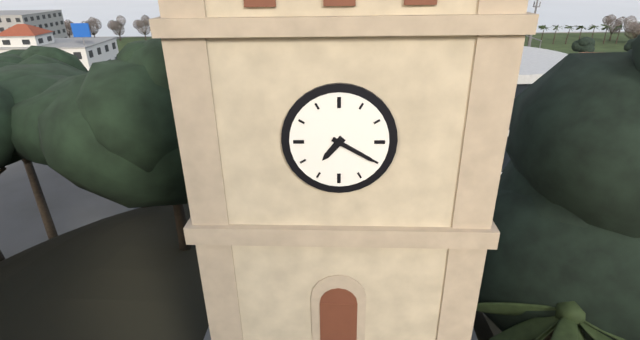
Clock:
{"hour": 7, "minute": 20}
